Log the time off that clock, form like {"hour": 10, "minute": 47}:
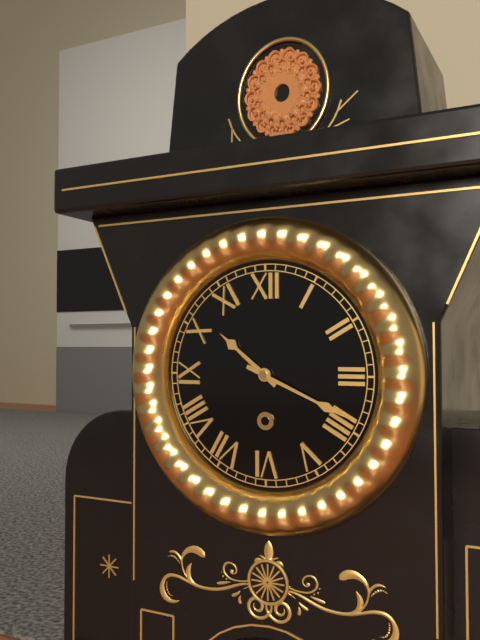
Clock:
{"hour": 10, "minute": 19}
